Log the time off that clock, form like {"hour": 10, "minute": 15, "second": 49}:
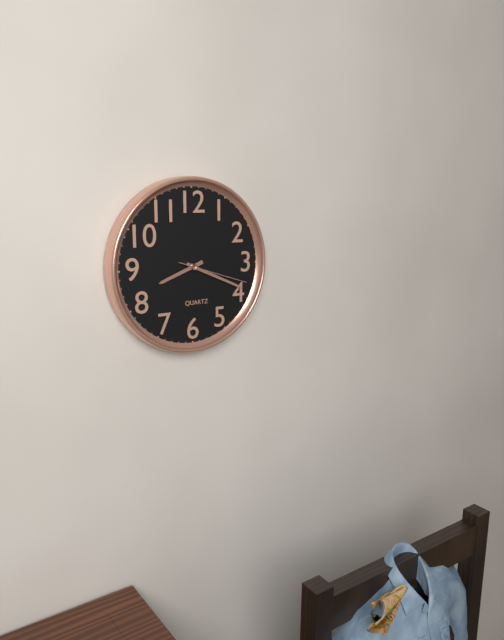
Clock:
{"hour": 8, "minute": 19, "second": 18}
